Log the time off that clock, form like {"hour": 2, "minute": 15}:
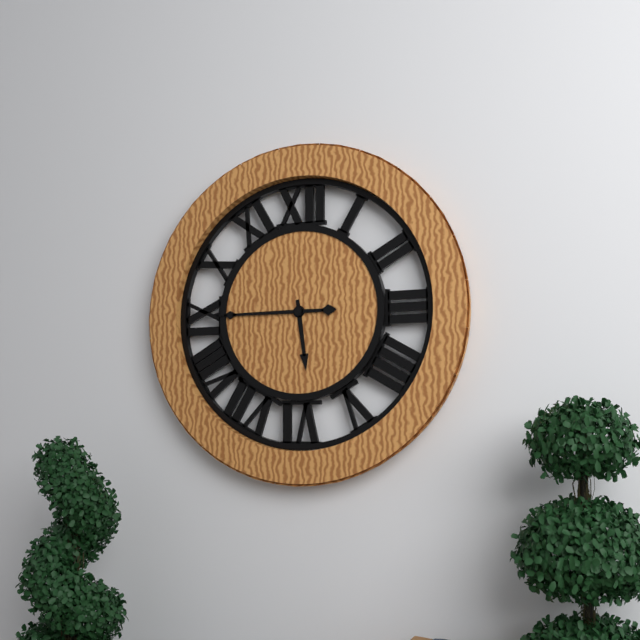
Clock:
{"hour": 5, "minute": 45}
